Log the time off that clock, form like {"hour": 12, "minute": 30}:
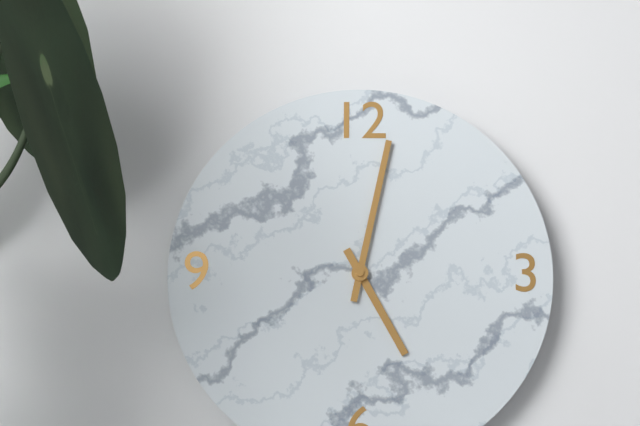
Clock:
{"hour": 5, "minute": 2}
